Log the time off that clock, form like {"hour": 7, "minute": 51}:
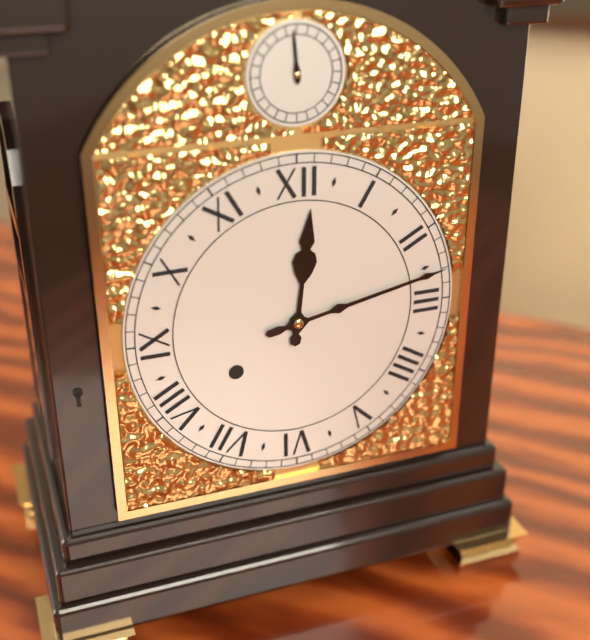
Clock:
{"hour": 12, "minute": 13}
